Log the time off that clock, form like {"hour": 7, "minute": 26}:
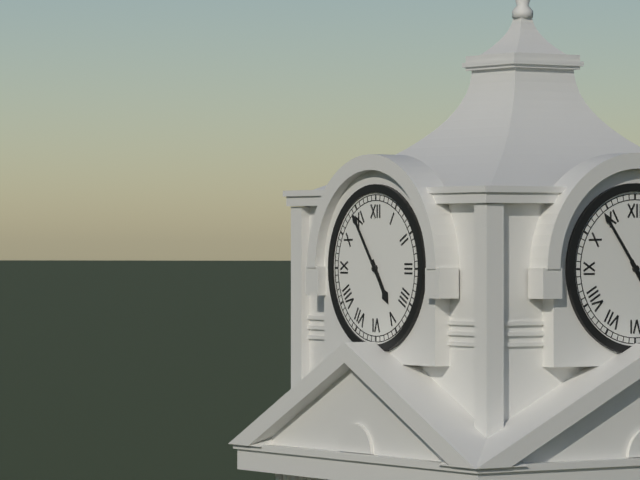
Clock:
{"hour": 4, "minute": 54}
